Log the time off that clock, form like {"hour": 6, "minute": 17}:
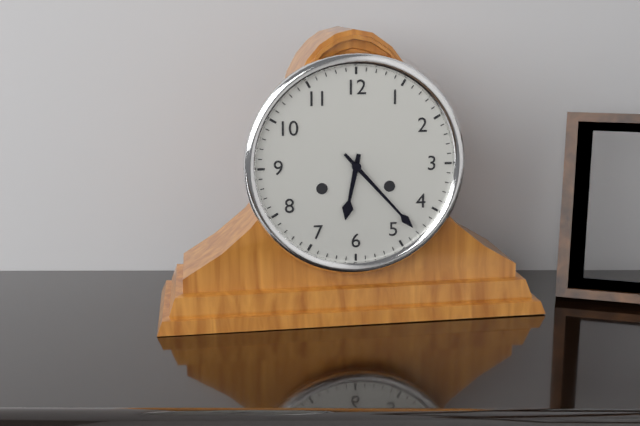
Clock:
{"hour": 6, "minute": 23}
